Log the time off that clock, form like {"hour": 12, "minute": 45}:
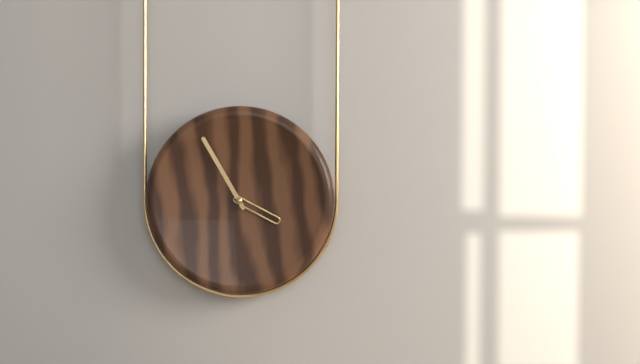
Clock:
{"hour": 3, "minute": 55}
